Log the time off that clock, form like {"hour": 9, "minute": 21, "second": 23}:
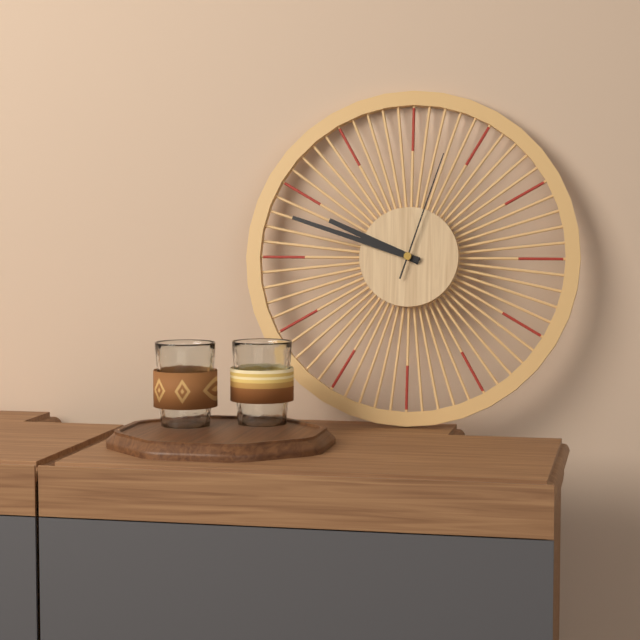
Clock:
{"hour": 9, "minute": 48, "second": 3}
